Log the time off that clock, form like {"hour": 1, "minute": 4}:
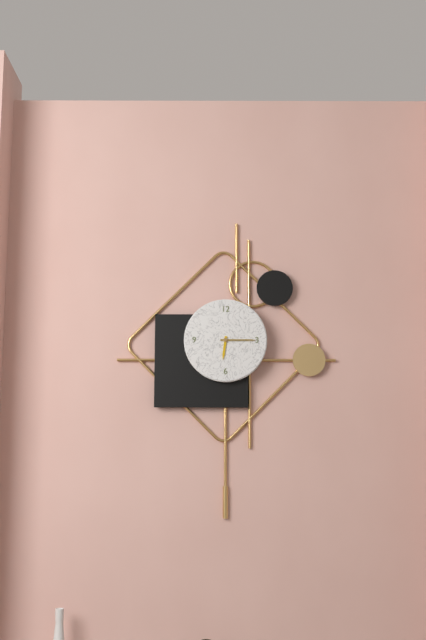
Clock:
{"hour": 6, "minute": 15}
